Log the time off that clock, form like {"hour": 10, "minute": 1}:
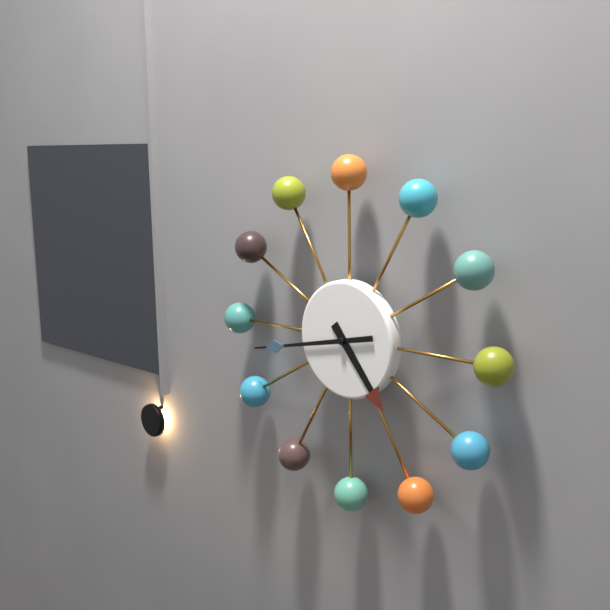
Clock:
{"hour": 4, "minute": 43}
